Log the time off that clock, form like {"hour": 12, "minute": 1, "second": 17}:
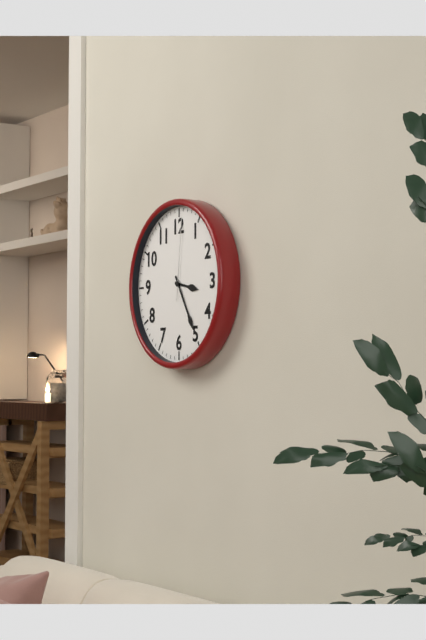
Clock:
{"hour": 3, "minute": 25, "second": 1}
